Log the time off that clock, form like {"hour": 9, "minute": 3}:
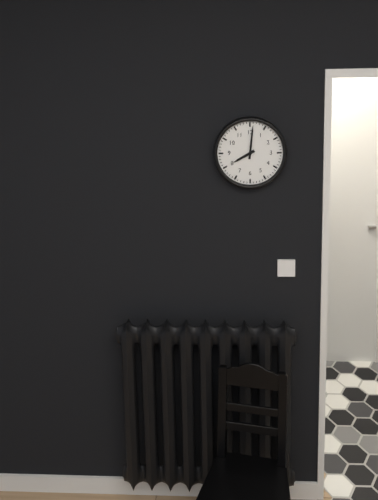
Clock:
{"hour": 8, "minute": 1}
